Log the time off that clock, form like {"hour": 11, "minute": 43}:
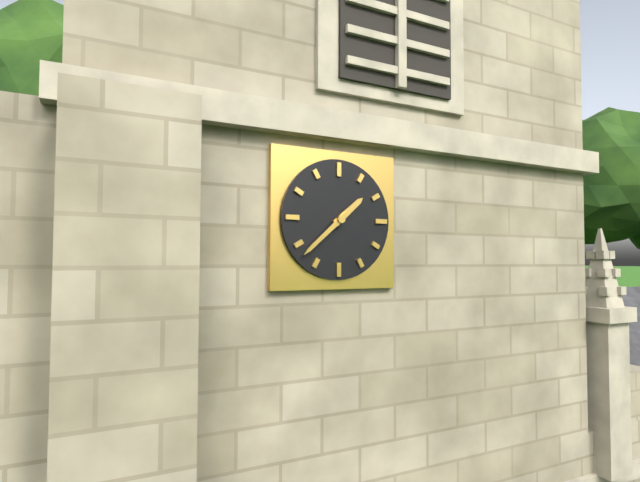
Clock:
{"hour": 1, "minute": 38}
